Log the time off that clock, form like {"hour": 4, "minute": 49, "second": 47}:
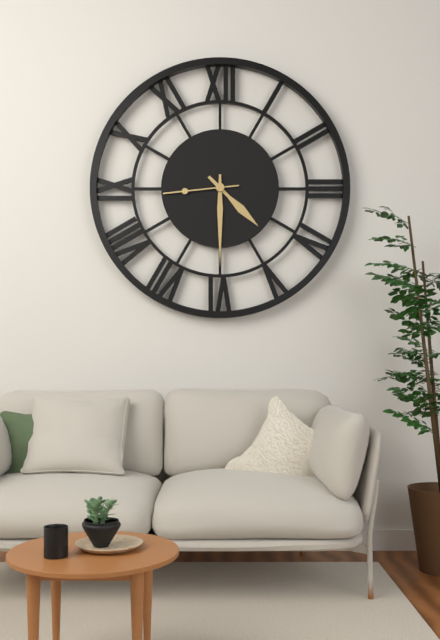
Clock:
{"hour": 4, "minute": 30, "second": 44}
